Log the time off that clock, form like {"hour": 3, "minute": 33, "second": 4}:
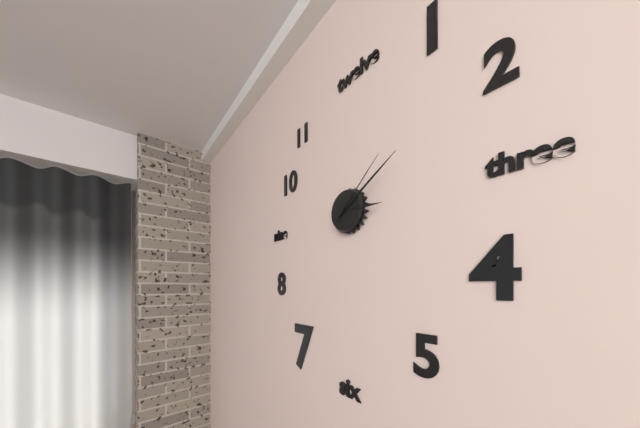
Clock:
{"hour": 3, "minute": 10, "second": 8}
